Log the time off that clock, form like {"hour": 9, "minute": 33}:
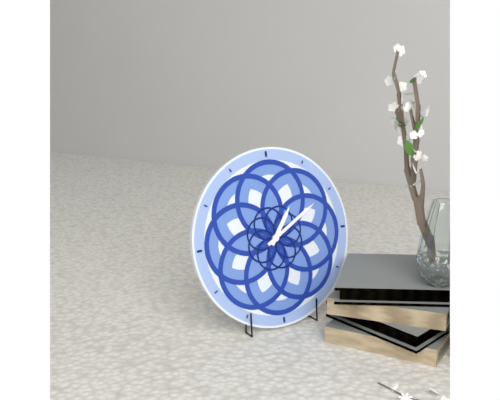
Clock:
{"hour": 1, "minute": 10}
